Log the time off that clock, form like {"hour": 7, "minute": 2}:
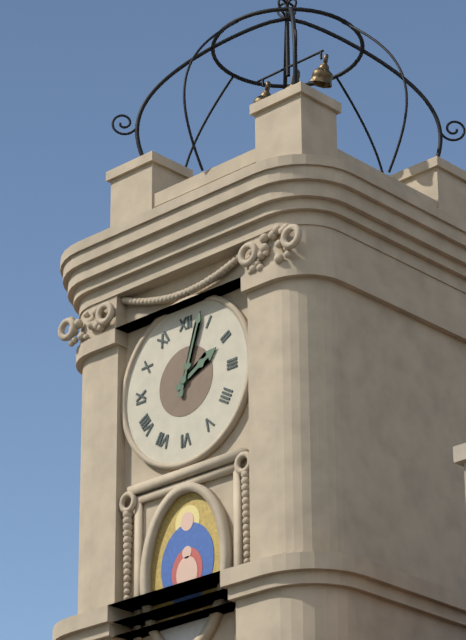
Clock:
{"hour": 2, "minute": 3}
